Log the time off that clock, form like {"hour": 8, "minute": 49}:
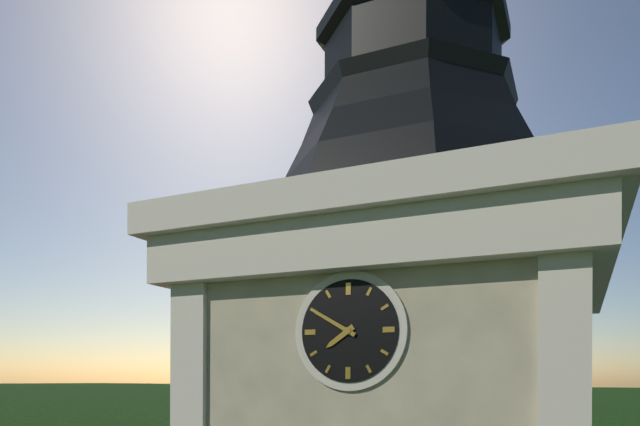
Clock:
{"hour": 7, "minute": 50}
